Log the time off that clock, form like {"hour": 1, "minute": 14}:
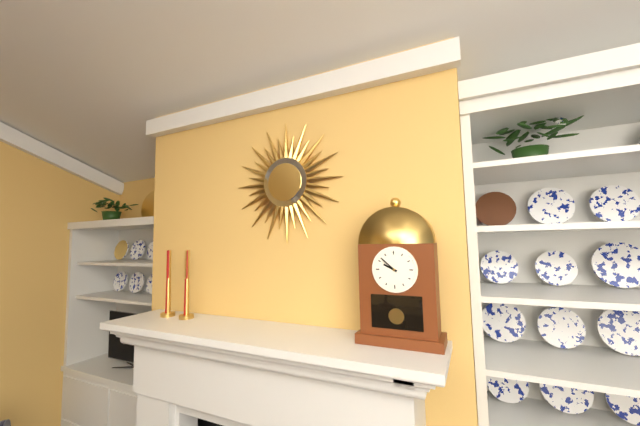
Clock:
{"hour": 9, "minute": 52}
